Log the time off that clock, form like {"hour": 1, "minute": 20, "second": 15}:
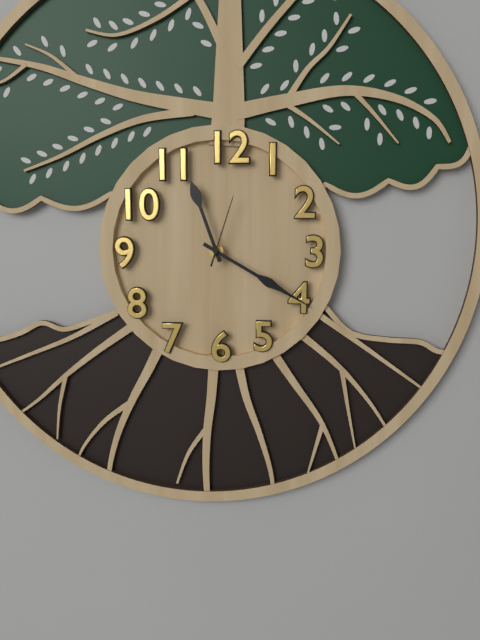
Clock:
{"hour": 11, "minute": 20, "second": 3}
